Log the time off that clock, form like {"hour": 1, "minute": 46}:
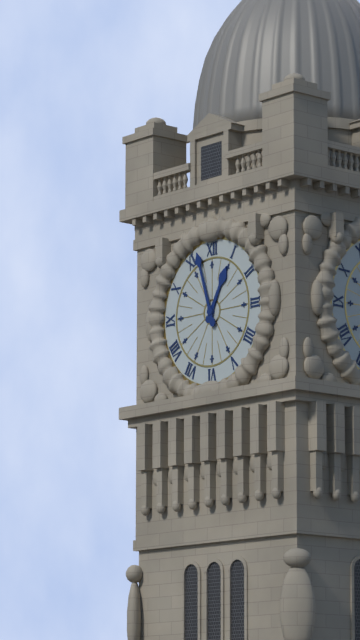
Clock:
{"hour": 12, "minute": 57}
